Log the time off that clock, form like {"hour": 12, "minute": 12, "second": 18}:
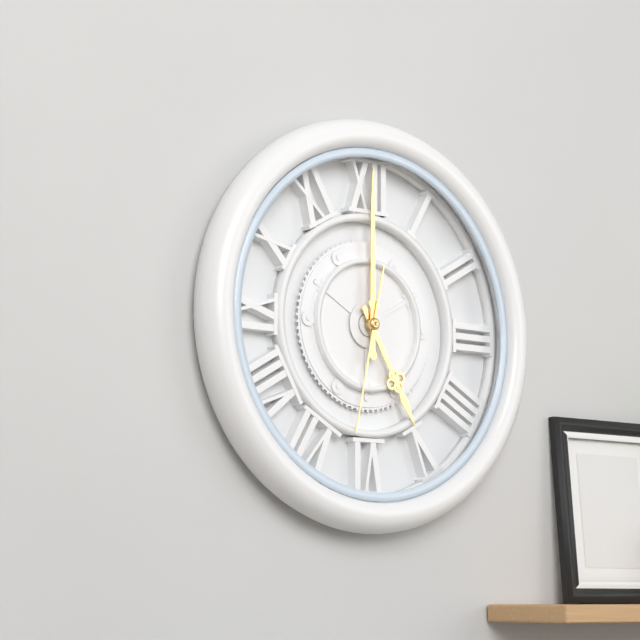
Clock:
{"hour": 5, "minute": 0, "second": 32}
